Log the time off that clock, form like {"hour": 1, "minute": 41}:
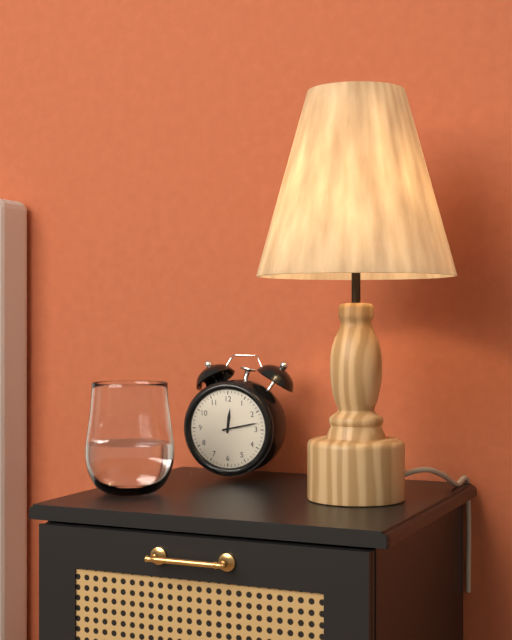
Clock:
{"hour": 12, "minute": 13}
